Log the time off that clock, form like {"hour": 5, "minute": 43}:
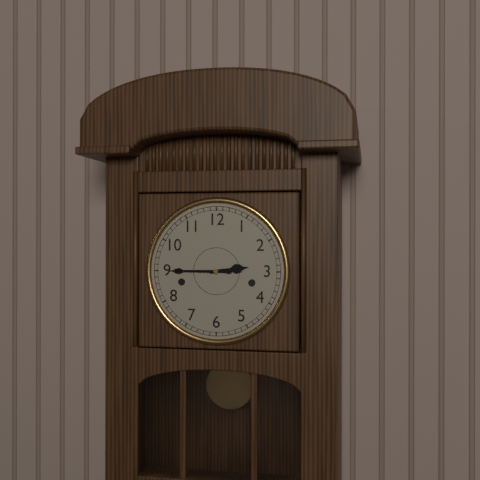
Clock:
{"hour": 2, "minute": 45}
